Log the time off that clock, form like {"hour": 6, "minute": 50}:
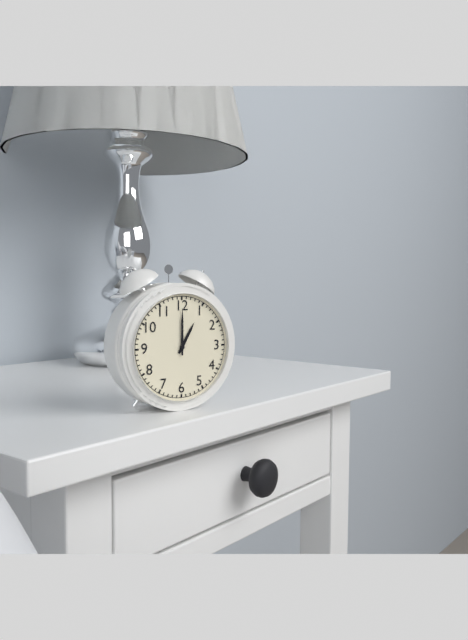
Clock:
{"hour": 1, "minute": 0}
